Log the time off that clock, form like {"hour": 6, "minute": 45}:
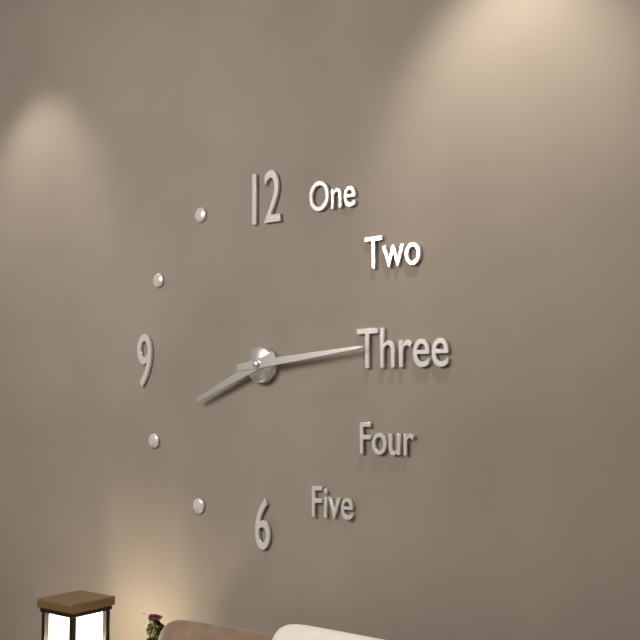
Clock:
{"hour": 8, "minute": 14}
